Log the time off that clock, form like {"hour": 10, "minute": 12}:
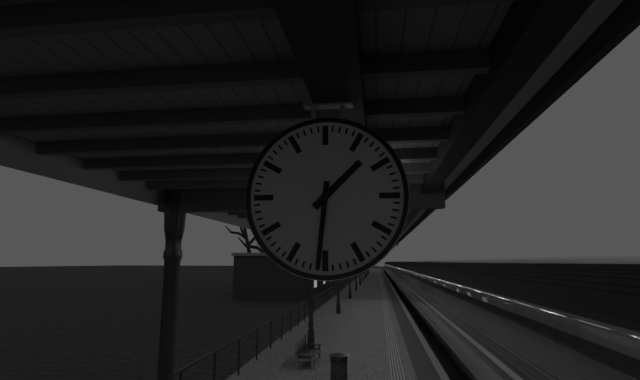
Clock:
{"hour": 1, "minute": 31}
